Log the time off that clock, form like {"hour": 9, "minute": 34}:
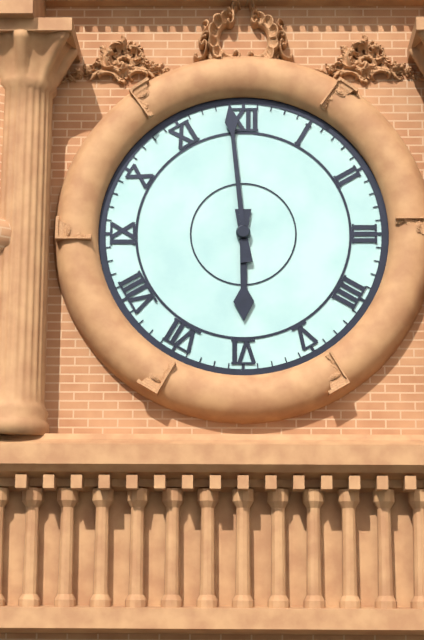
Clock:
{"hour": 5, "minute": 59}
